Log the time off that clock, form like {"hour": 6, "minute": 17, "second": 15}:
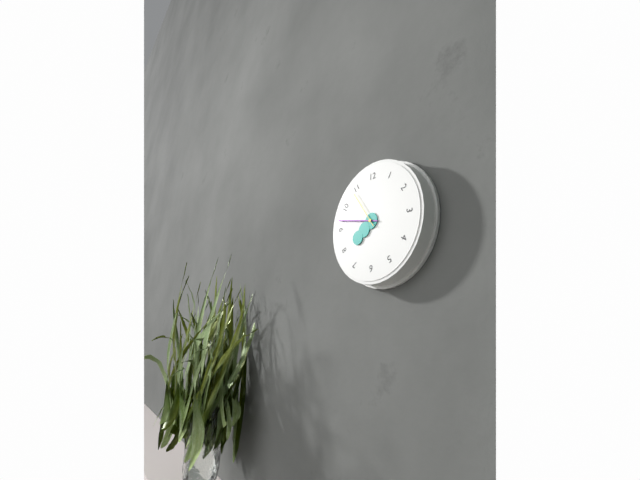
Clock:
{"hour": 7, "minute": 47, "second": 54}
